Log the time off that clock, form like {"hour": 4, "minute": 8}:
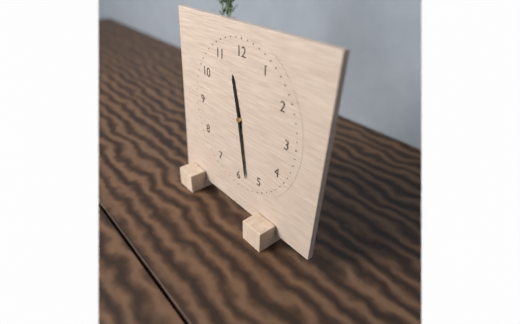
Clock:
{"hour": 11, "minute": 28}
